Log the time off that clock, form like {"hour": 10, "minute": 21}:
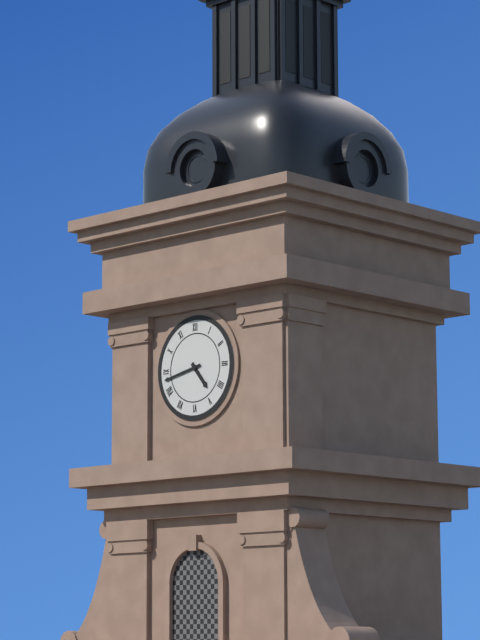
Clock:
{"hour": 4, "minute": 43}
